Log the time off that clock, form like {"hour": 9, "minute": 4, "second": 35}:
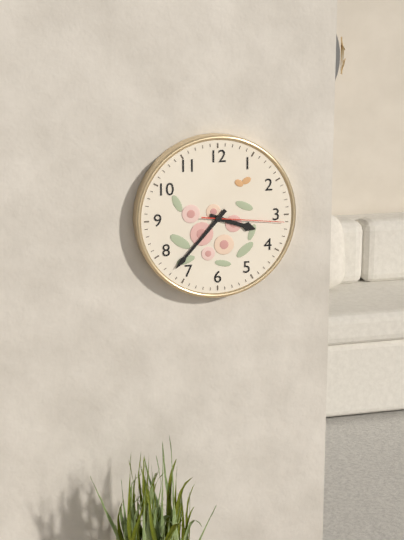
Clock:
{"hour": 3, "minute": 37, "second": 16}
